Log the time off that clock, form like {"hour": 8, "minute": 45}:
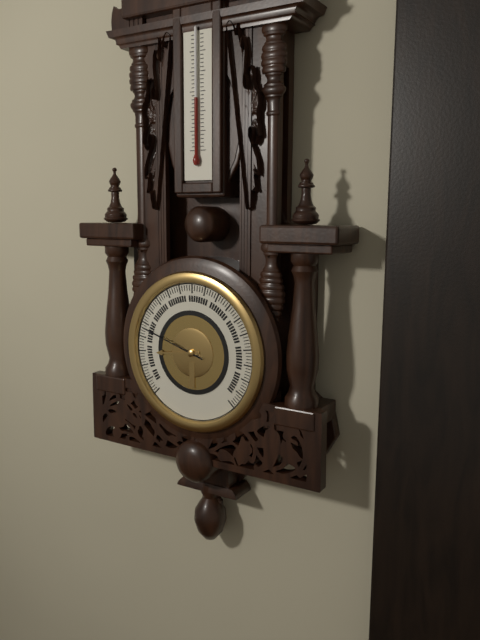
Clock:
{"hour": 8, "minute": 48}
